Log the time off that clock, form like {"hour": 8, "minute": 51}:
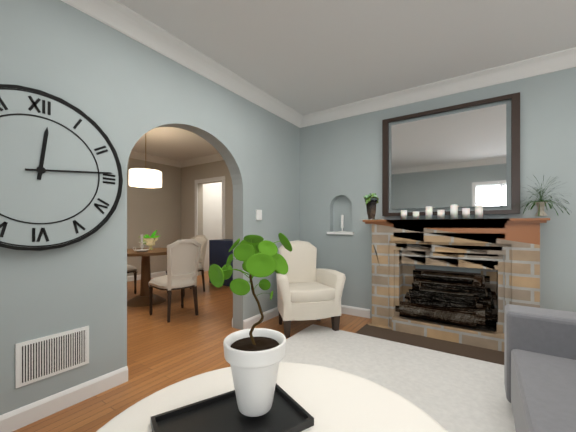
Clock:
{"hour": 12, "minute": 14}
